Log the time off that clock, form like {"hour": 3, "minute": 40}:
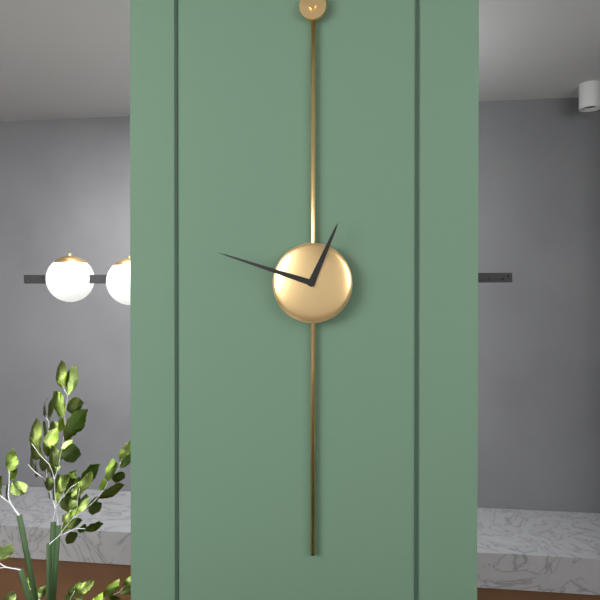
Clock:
{"hour": 12, "minute": 48}
